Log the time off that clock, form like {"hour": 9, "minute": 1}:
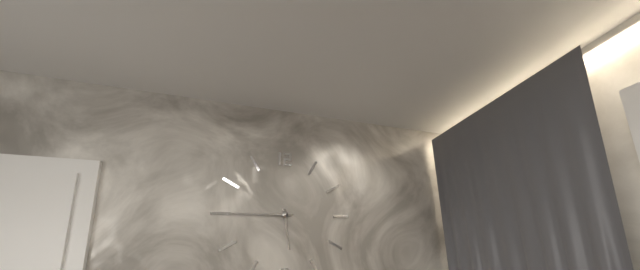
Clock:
{"hour": 5, "minute": 45}
